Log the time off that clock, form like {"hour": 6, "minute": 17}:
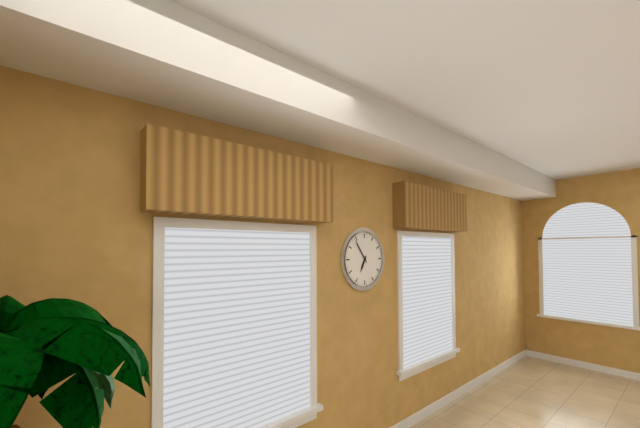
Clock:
{"hour": 6, "minute": 54}
